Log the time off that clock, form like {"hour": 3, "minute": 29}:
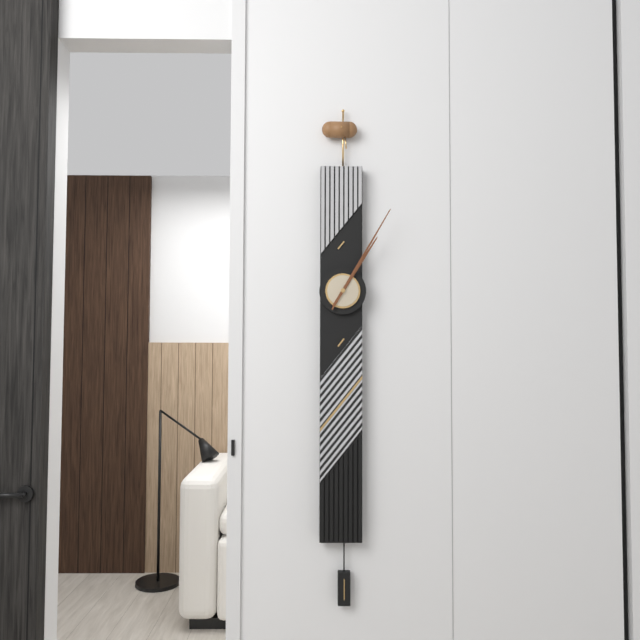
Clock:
{"hour": 1, "minute": 5}
